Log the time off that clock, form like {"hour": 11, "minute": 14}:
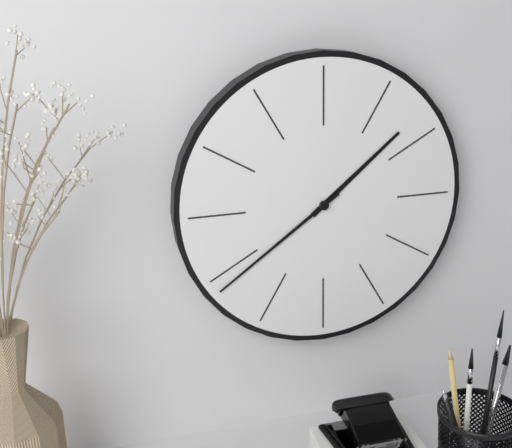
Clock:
{"hour": 1, "minute": 39}
